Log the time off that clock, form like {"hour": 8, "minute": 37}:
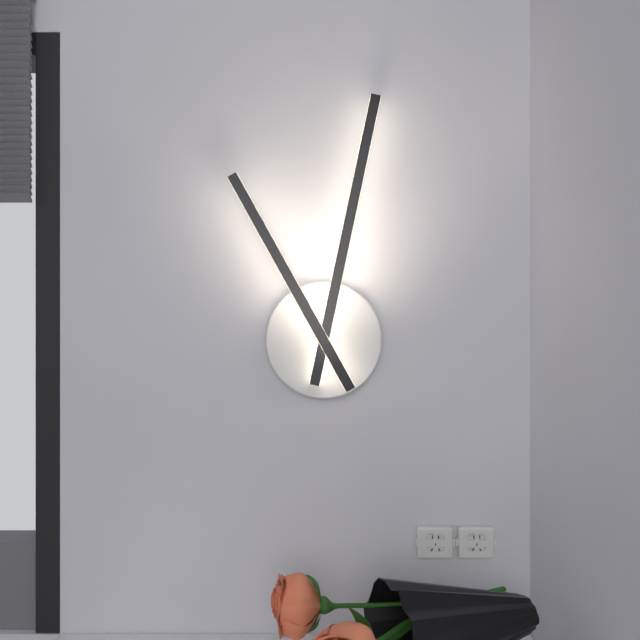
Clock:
{"hour": 11, "minute": 2}
